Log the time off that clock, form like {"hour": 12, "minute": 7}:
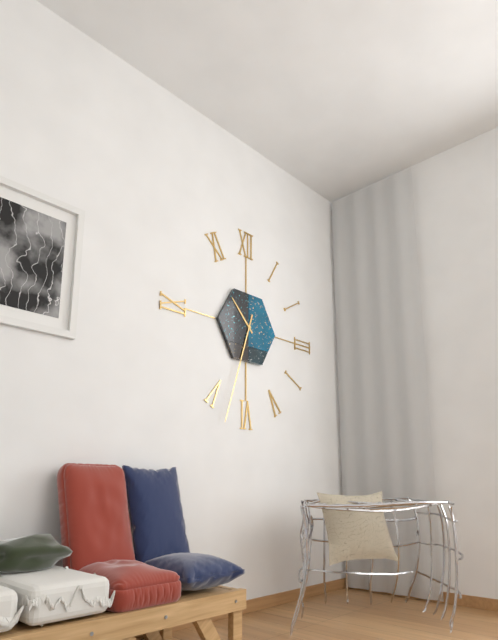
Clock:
{"hour": 10, "minute": 33}
